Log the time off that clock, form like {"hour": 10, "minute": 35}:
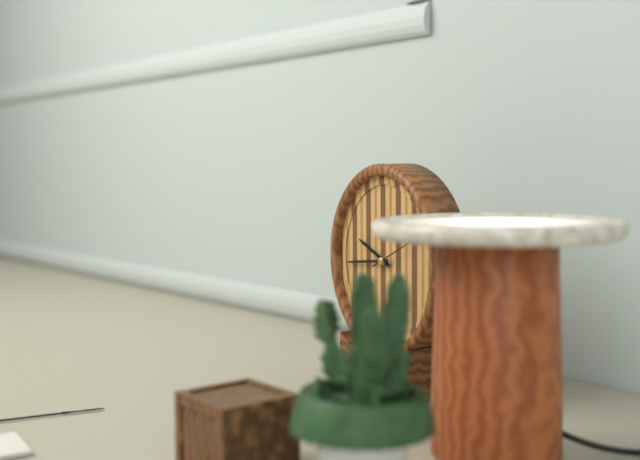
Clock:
{"hour": 9, "minute": 44}
